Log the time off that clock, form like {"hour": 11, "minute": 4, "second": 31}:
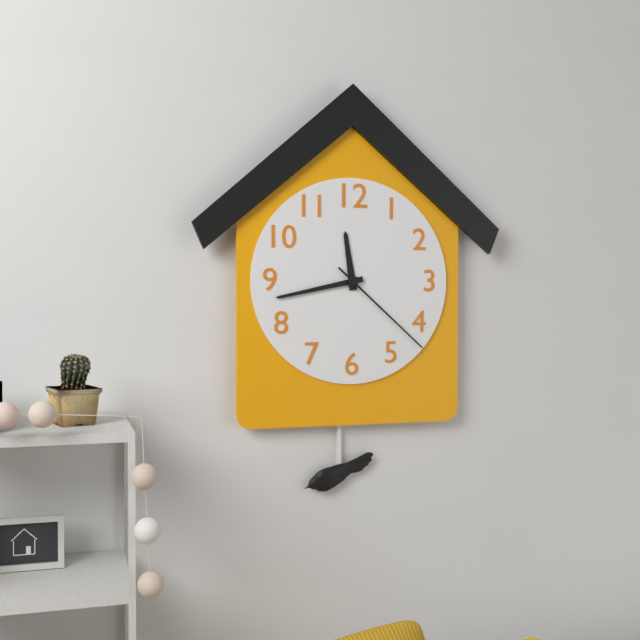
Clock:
{"hour": 11, "minute": 43, "second": 22}
